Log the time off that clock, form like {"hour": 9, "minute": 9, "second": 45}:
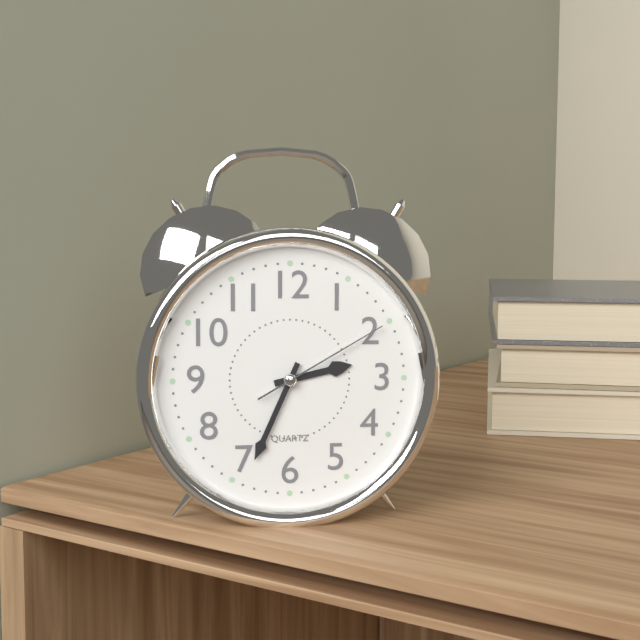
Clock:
{"hour": 2, "minute": 34, "second": 10}
